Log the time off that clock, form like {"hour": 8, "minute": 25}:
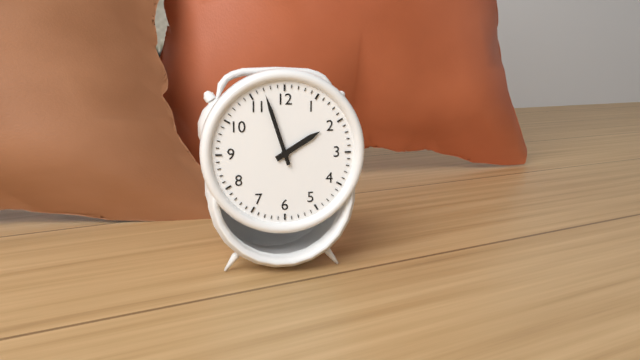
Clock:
{"hour": 1, "minute": 57}
